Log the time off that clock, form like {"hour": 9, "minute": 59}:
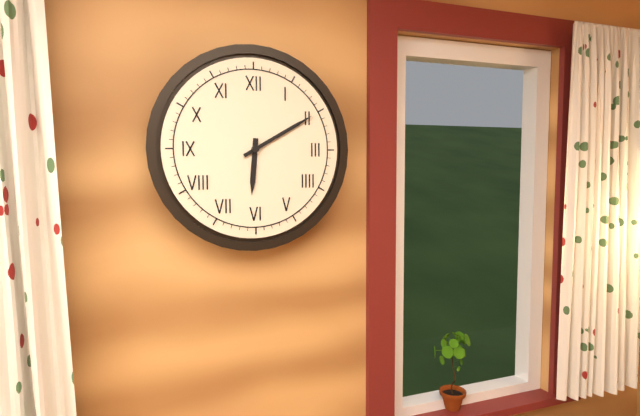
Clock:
{"hour": 6, "minute": 10}
